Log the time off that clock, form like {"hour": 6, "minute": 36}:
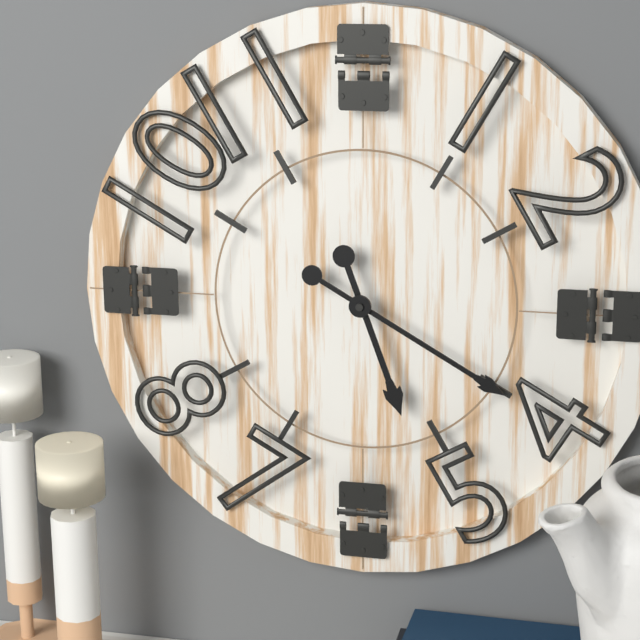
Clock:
{"hour": 5, "minute": 20}
